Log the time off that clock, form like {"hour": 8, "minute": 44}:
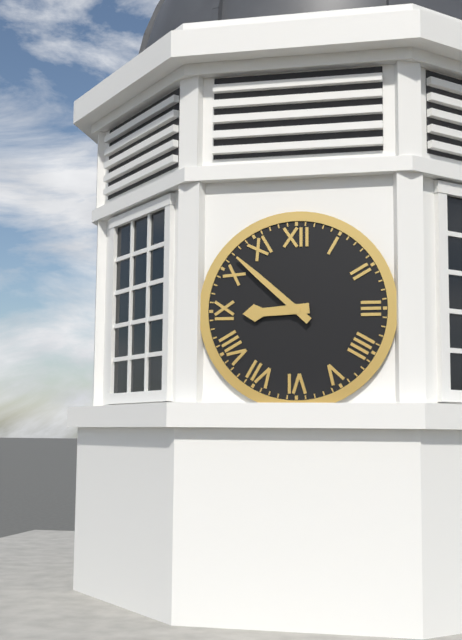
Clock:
{"hour": 8, "minute": 52}
